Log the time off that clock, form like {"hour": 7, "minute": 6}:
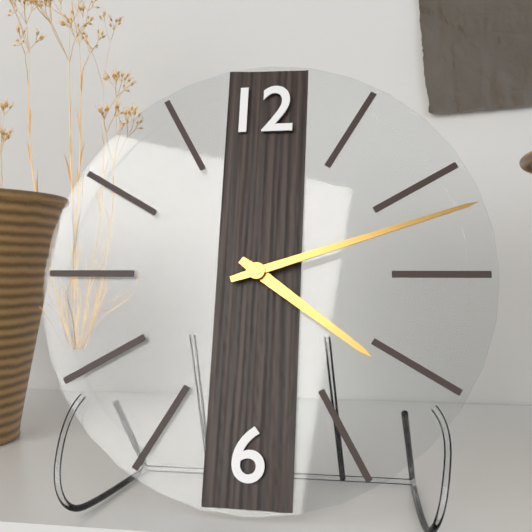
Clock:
{"hour": 4, "minute": 12}
